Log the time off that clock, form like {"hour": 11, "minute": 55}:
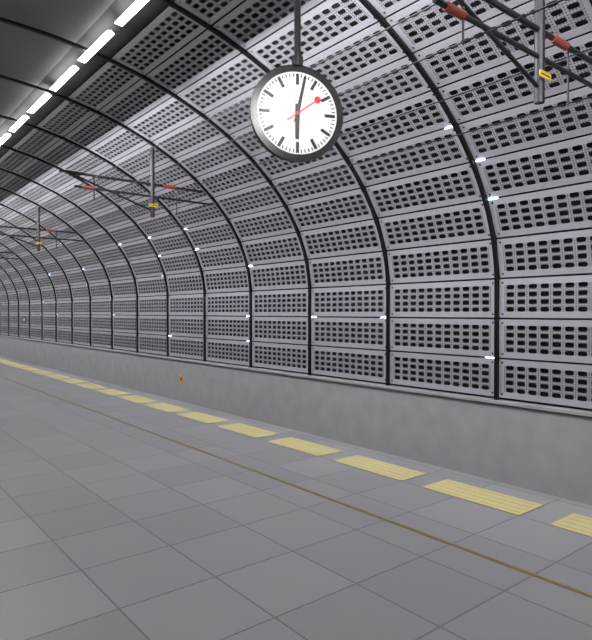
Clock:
{"hour": 6, "minute": 2}
